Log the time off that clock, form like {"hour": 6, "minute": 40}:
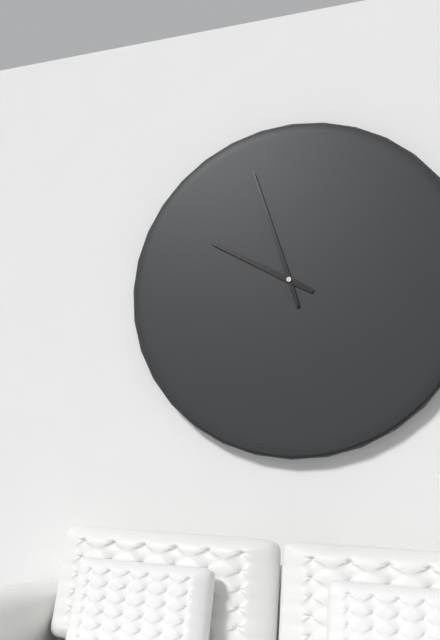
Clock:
{"hour": 9, "minute": 57}
